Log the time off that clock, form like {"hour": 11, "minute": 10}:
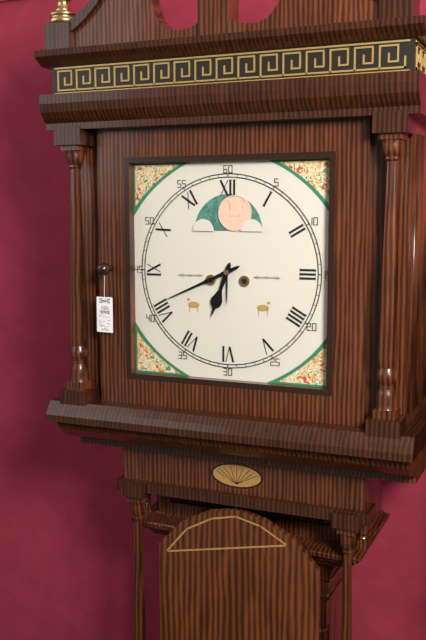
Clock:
{"hour": 6, "minute": 41}
